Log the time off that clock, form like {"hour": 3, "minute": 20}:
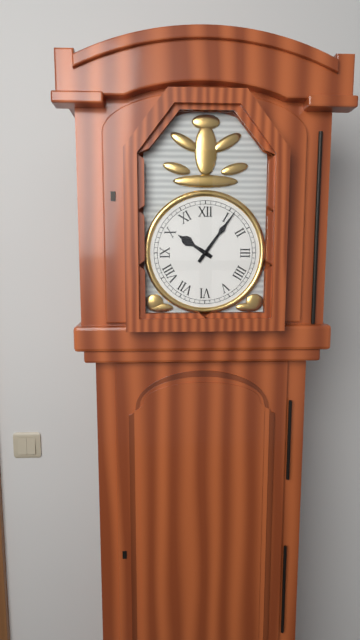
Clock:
{"hour": 10, "minute": 6}
